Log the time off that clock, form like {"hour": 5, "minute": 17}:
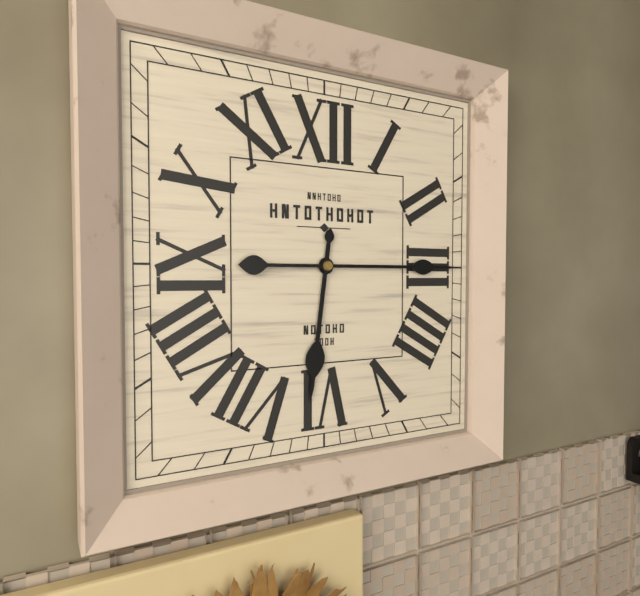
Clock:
{"hour": 6, "minute": 15}
